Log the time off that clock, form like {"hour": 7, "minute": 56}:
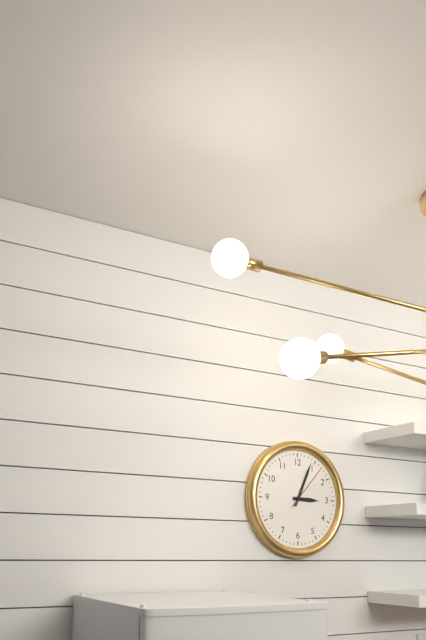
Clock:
{"hour": 3, "minute": 4}
